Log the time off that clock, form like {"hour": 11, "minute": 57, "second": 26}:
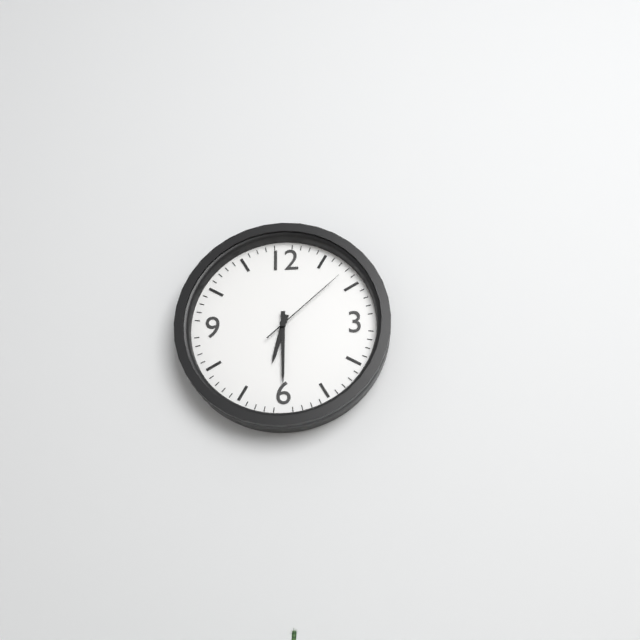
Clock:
{"hour": 6, "minute": 30, "second": 8}
